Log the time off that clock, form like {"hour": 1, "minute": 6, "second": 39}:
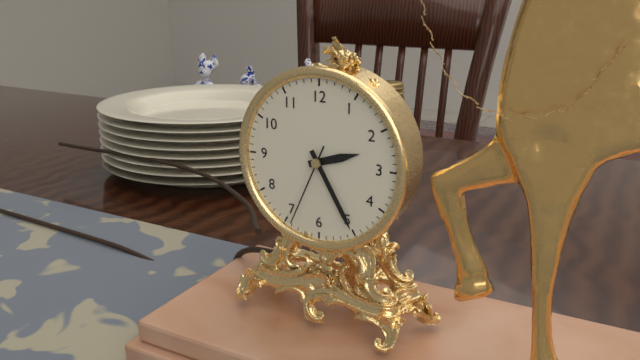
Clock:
{"hour": 2, "minute": 25, "second": 34}
